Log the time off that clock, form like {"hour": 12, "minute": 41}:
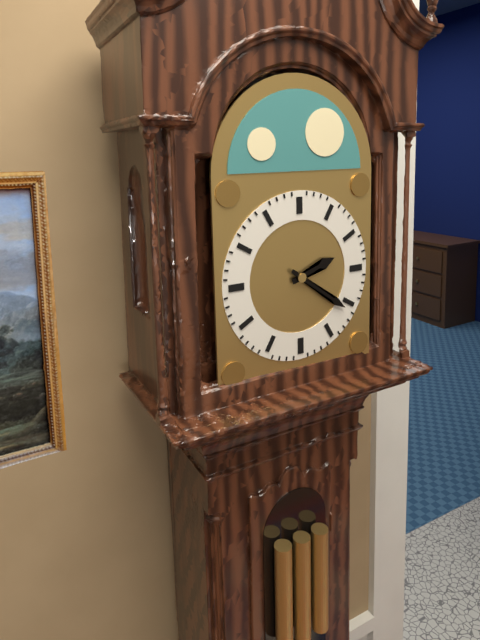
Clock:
{"hour": 2, "minute": 21}
